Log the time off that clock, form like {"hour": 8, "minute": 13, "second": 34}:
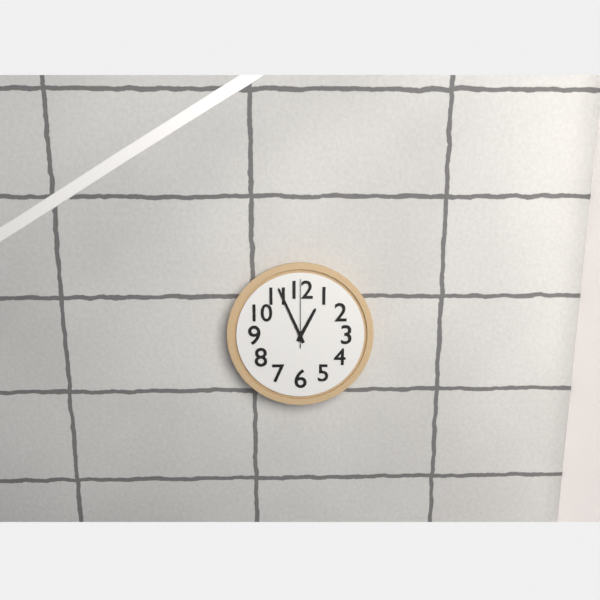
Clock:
{"hour": 12, "minute": 56, "second": 0}
